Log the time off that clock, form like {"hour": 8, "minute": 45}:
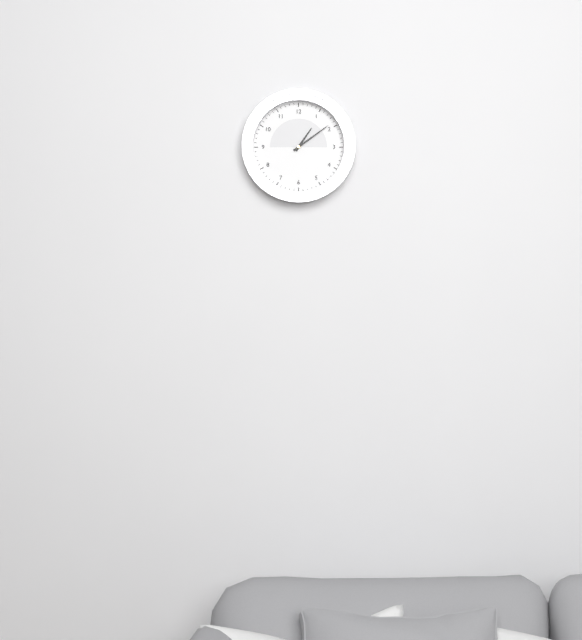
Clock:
{"hour": 1, "minute": 9}
